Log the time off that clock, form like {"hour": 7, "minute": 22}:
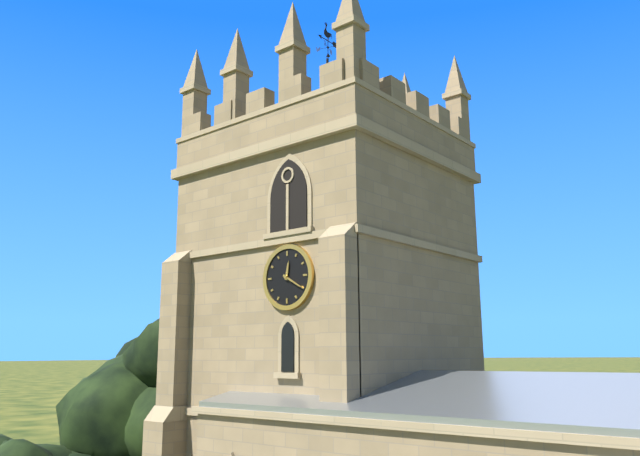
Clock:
{"hour": 12, "minute": 20}
